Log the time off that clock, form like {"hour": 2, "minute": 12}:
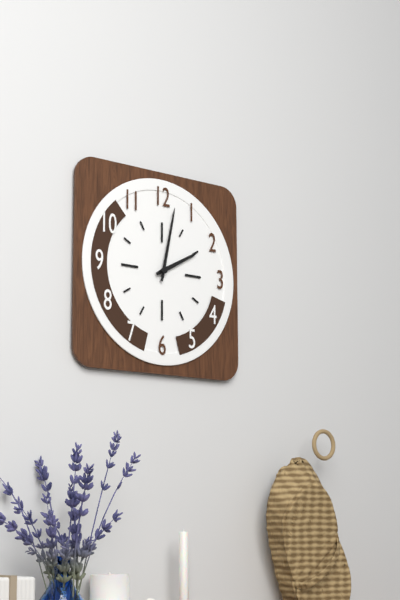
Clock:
{"hour": 2, "minute": 2}
